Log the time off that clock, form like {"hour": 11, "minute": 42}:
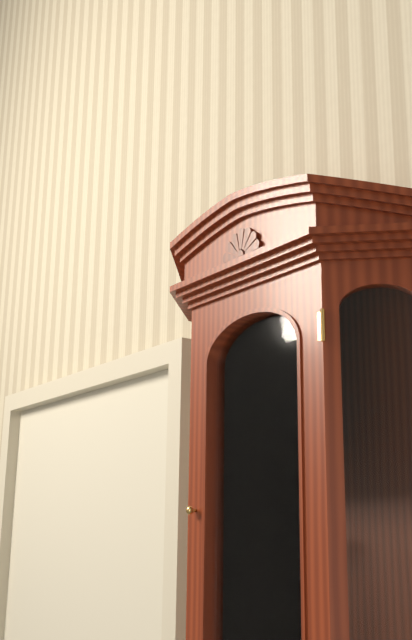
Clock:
{"hour": 1, "minute": 45}
